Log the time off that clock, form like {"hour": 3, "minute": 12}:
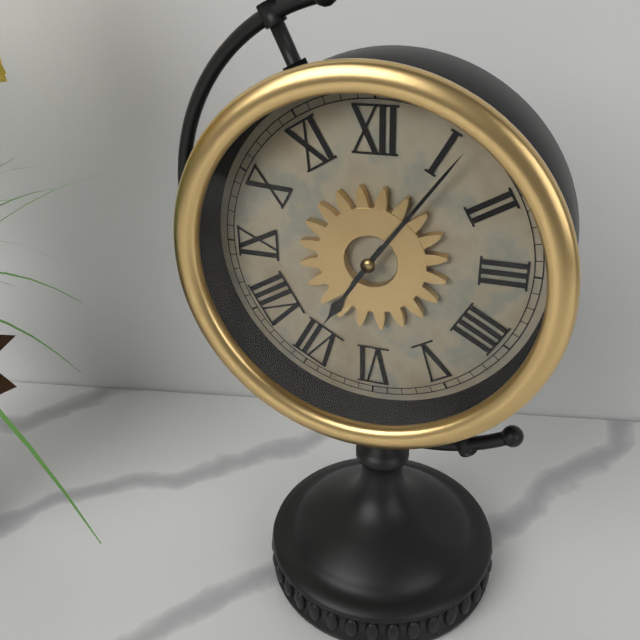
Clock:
{"hour": 7, "minute": 6}
